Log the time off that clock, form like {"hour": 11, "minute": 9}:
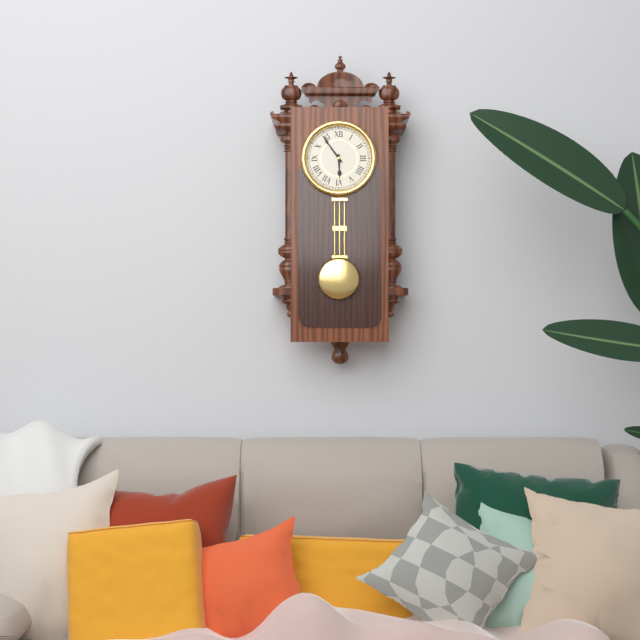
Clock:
{"hour": 5, "minute": 54}
